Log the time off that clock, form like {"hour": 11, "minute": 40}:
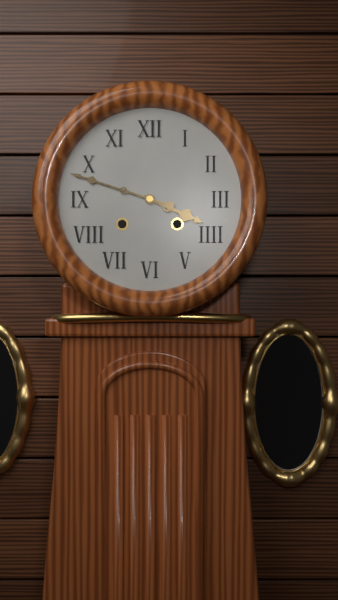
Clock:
{"hour": 3, "minute": 48}
